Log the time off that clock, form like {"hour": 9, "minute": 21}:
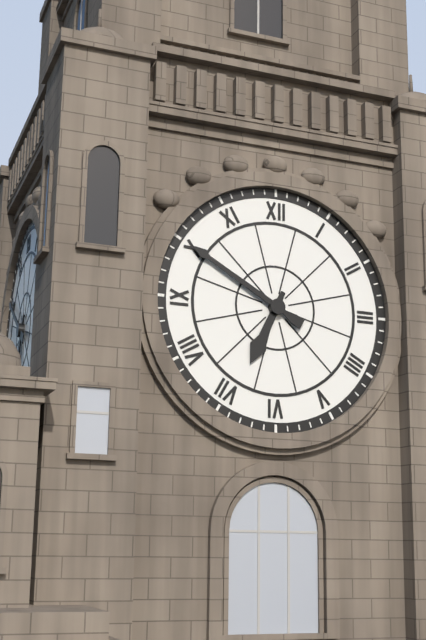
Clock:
{"hour": 6, "minute": 50}
